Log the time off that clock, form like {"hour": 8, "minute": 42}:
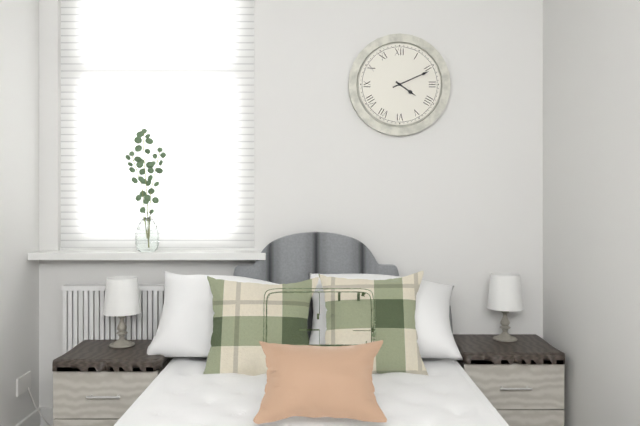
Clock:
{"hour": 4, "minute": 11}
